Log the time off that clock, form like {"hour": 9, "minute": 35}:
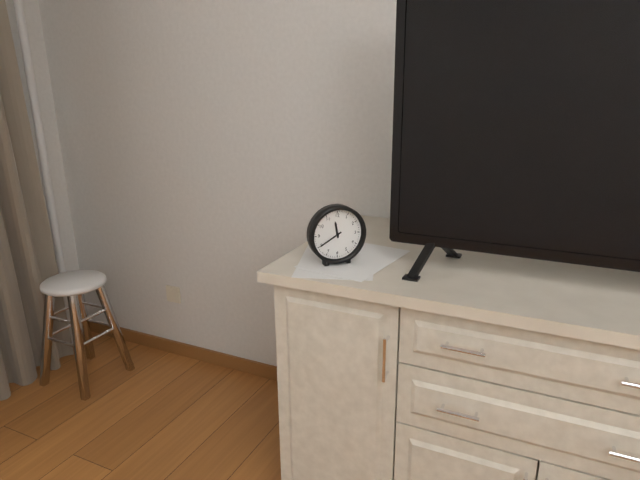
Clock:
{"hour": 11, "minute": 40}
